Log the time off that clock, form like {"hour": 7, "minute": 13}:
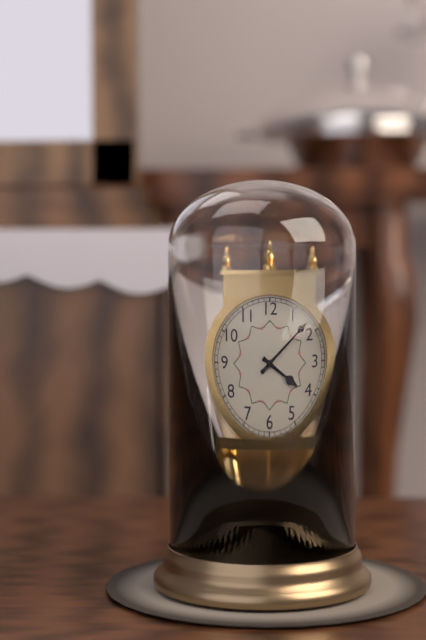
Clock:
{"hour": 4, "minute": 8}
